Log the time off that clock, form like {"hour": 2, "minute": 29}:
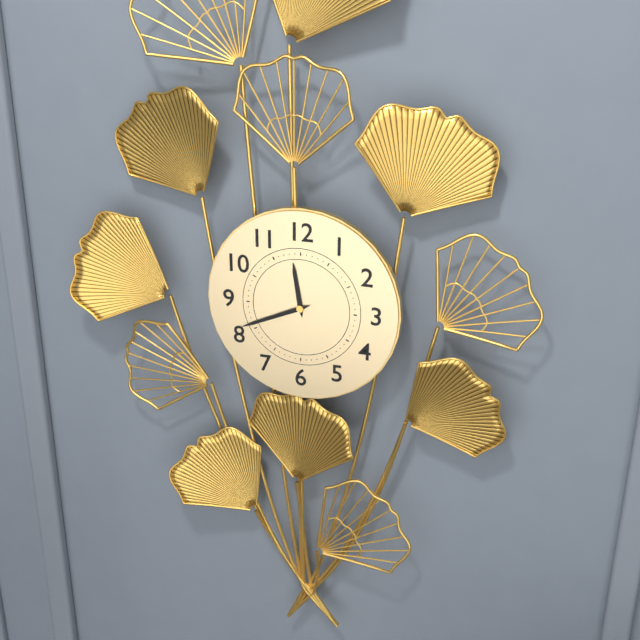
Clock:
{"hour": 11, "minute": 41}
